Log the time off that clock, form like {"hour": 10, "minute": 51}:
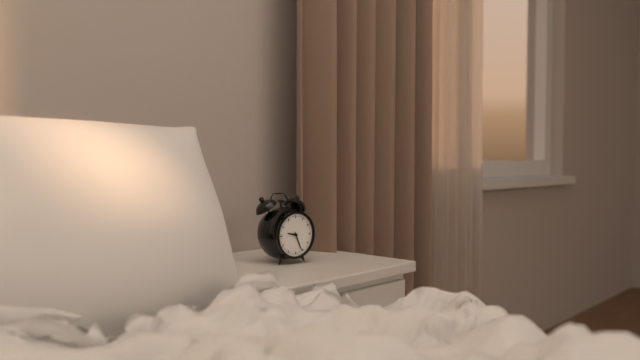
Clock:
{"hour": 9, "minute": 26}
